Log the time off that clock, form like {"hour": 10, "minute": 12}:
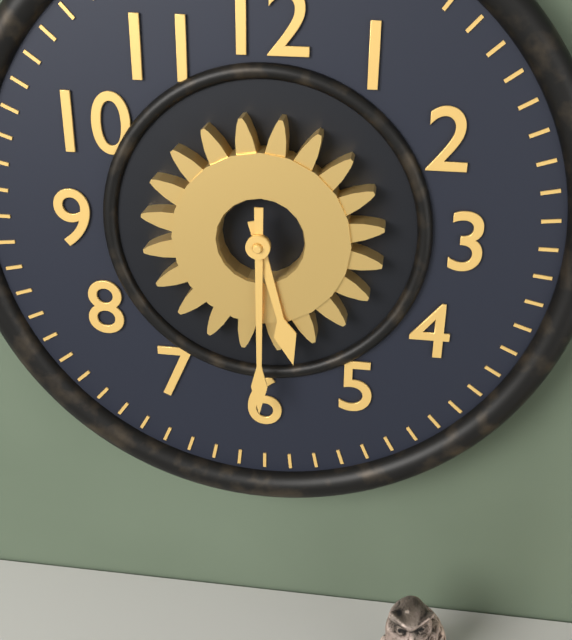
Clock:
{"hour": 5, "minute": 30}
